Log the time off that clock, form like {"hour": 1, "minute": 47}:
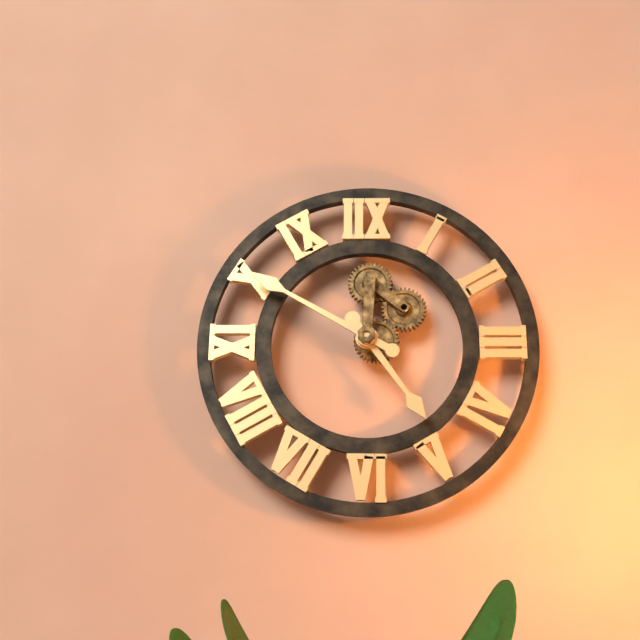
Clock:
{"hour": 4, "minute": 50}
